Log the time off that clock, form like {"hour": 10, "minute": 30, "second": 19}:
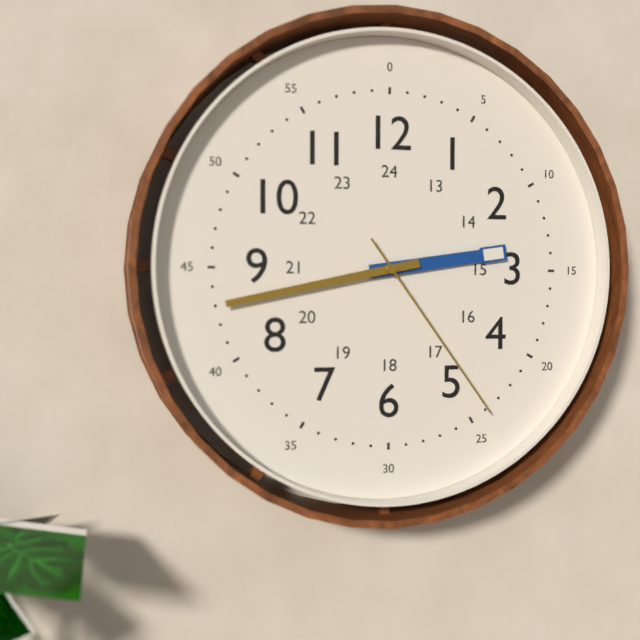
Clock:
{"hour": 2, "minute": 43, "second": 24}
